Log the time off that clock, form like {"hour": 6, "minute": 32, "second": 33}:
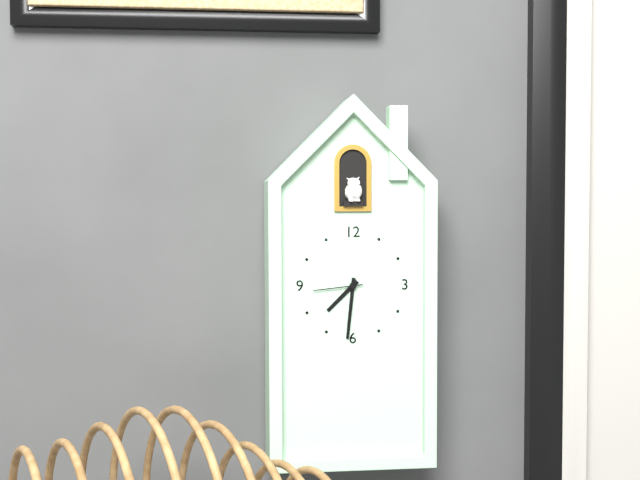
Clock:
{"hour": 7, "minute": 31, "second": 44}
